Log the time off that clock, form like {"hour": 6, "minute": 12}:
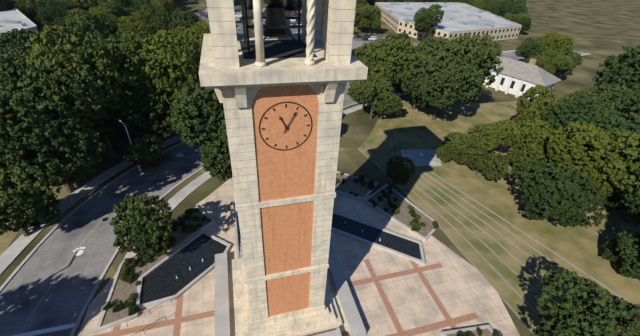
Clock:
{"hour": 11, "minute": 5}
